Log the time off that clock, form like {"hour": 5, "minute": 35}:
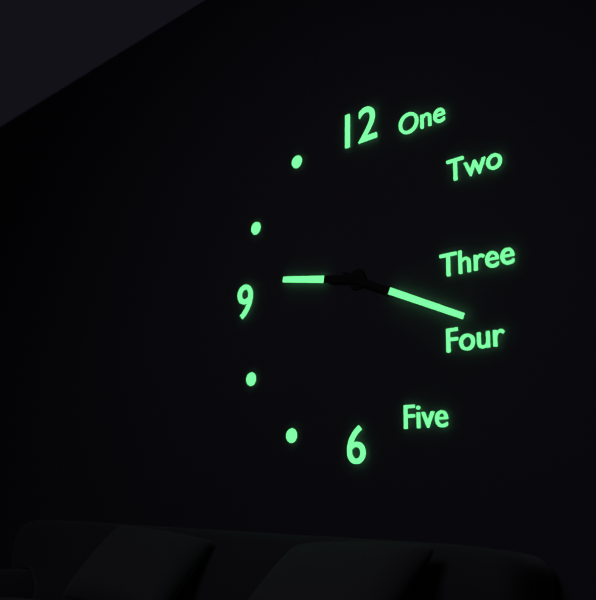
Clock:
{"hour": 9, "minute": 19}
